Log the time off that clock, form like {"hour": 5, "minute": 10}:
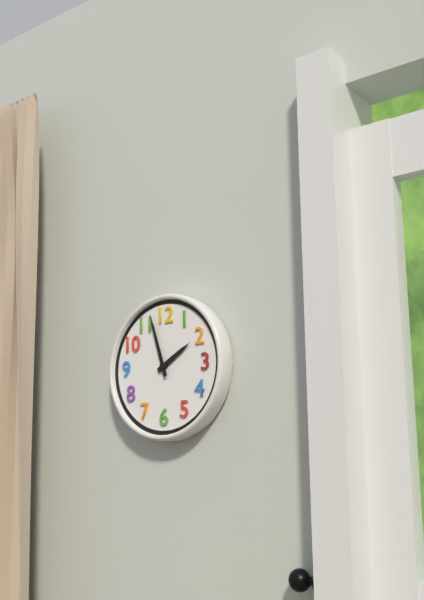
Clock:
{"hour": 1, "minute": 57}
